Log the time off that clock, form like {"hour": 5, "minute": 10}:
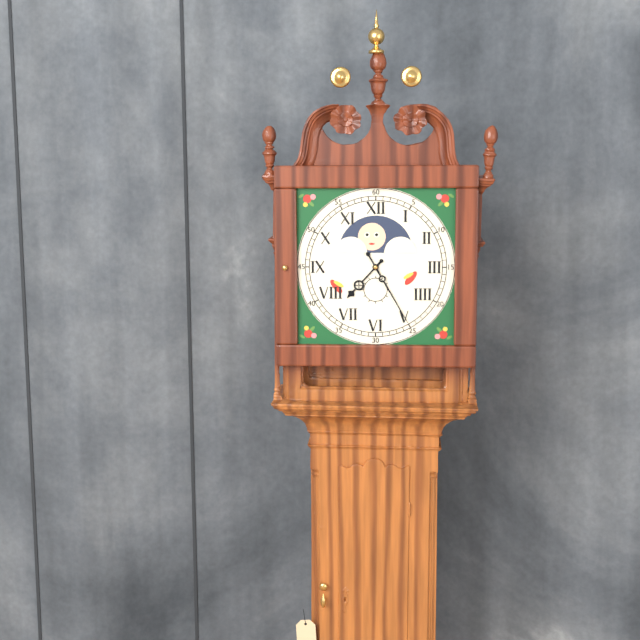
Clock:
{"hour": 7, "minute": 25}
